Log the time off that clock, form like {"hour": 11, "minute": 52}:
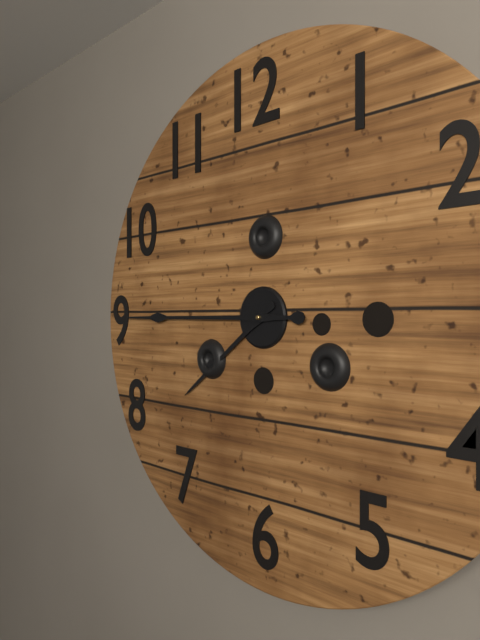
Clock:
{"hour": 7, "minute": 45}
